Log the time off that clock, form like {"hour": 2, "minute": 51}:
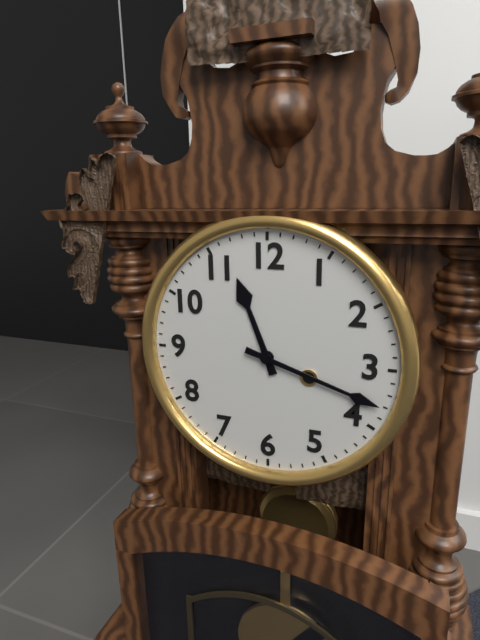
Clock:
{"hour": 11, "minute": 18}
